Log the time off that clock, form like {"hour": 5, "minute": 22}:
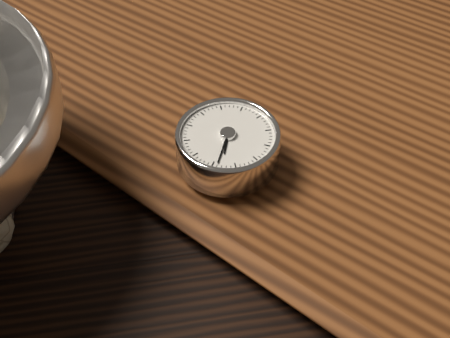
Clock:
{"hour": 6, "minute": 34}
